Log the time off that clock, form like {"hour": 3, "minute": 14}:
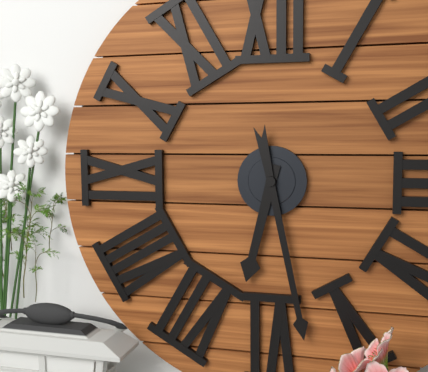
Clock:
{"hour": 6, "minute": 28}
